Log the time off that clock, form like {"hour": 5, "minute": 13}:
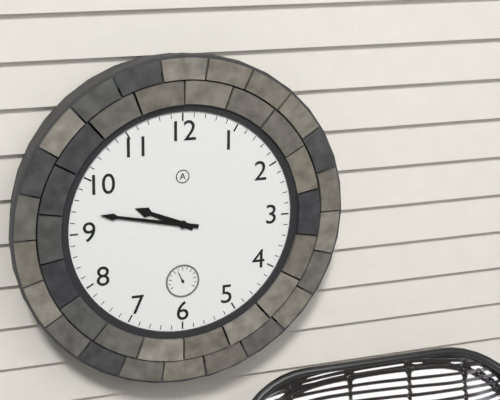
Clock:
{"hour": 9, "minute": 47}
